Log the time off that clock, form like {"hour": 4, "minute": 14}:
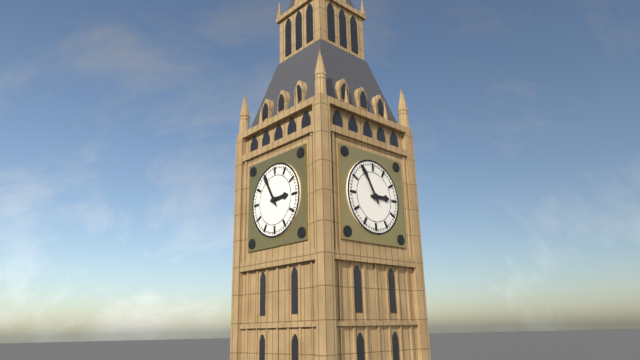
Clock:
{"hour": 2, "minute": 55}
